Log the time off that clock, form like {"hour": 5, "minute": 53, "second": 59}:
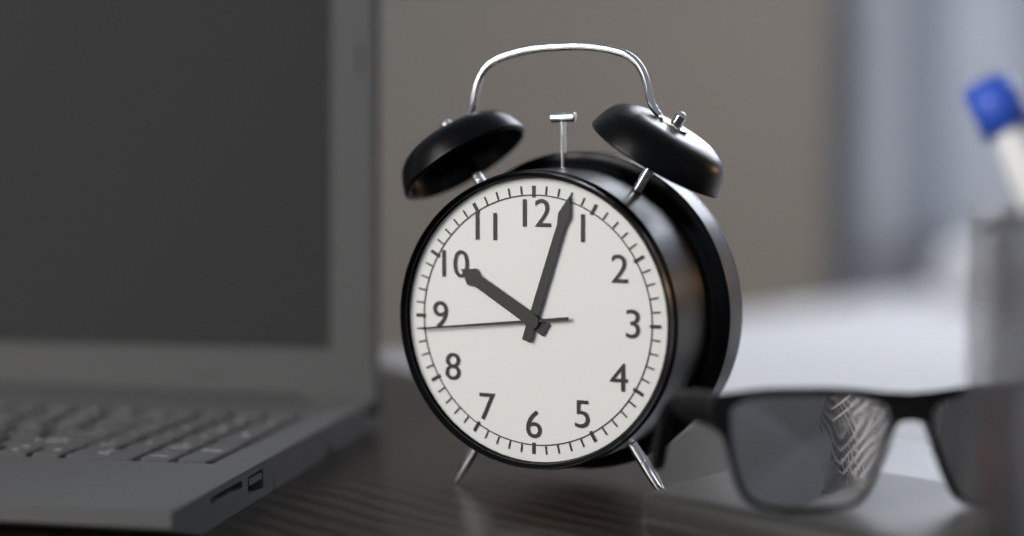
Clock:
{"hour": 10, "minute": 3, "second": 44}
